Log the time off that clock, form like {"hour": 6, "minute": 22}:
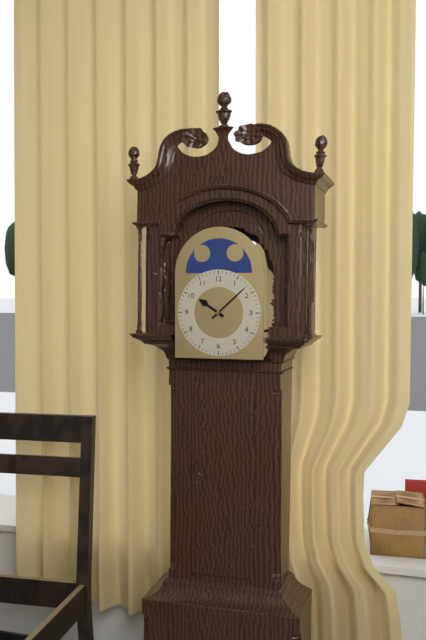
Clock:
{"hour": 10, "minute": 8}
